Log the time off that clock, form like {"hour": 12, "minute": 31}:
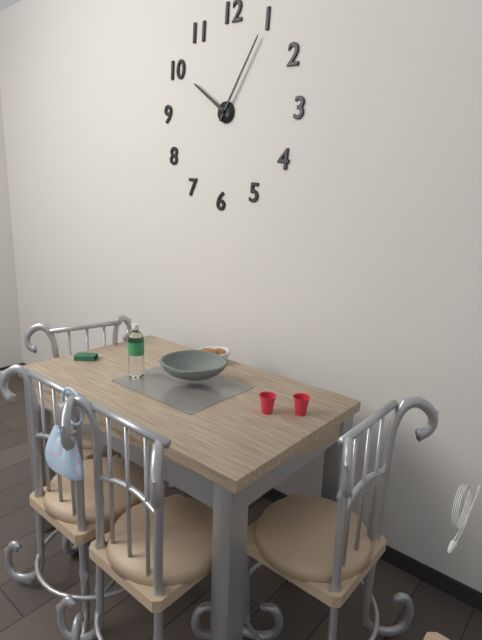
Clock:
{"hour": 10, "minute": 5}
